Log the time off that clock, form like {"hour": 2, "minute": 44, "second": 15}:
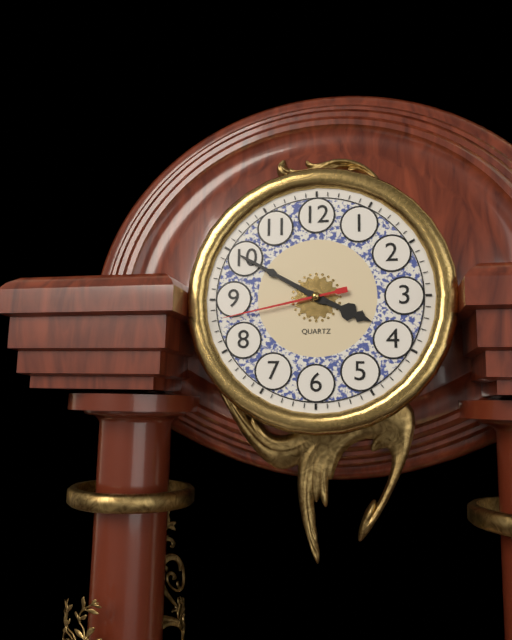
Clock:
{"hour": 3, "minute": 50, "second": 43}
